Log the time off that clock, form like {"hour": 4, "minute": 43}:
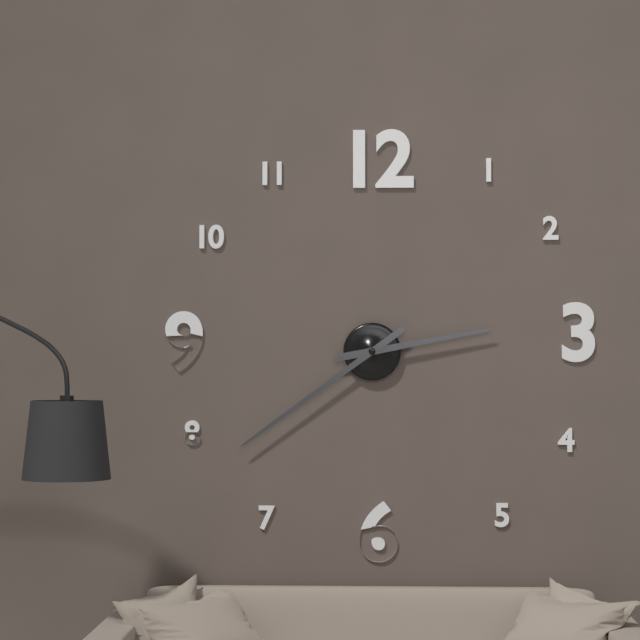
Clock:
{"hour": 2, "minute": 39}
